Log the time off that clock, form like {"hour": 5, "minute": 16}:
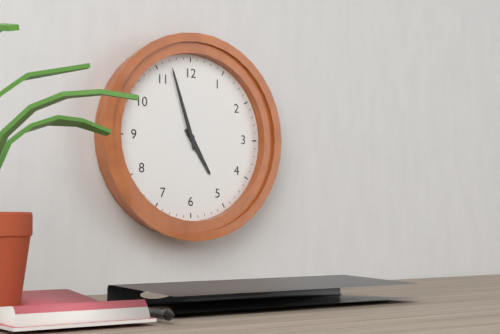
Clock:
{"hour": 4, "minute": 57}
